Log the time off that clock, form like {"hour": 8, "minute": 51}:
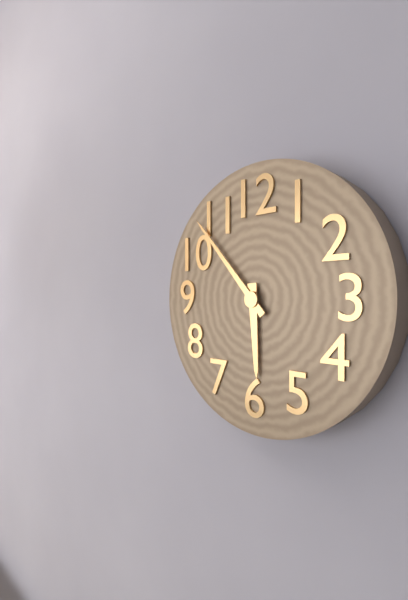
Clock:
{"hour": 5, "minute": 53}
